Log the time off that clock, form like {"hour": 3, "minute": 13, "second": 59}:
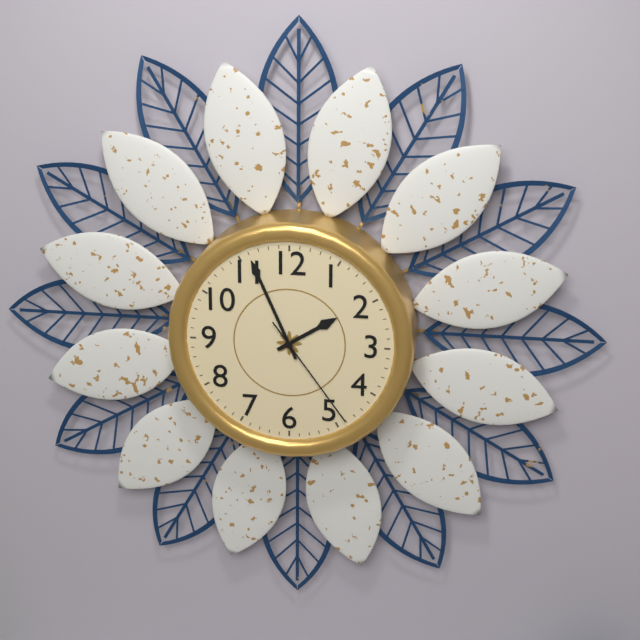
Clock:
{"hour": 1, "minute": 56, "second": 24}
